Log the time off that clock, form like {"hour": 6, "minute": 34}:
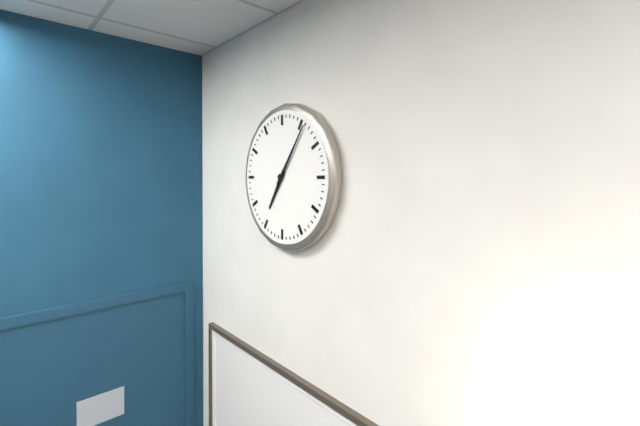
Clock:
{"hour": 7, "minute": 6}
